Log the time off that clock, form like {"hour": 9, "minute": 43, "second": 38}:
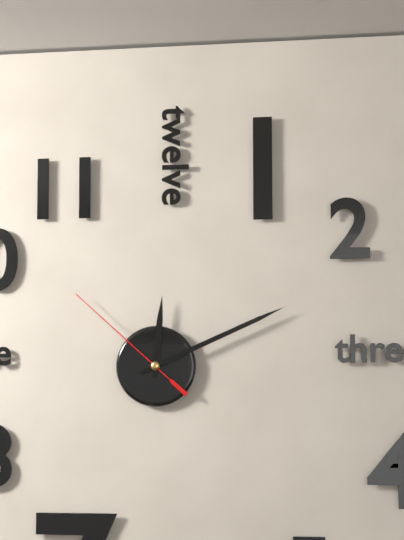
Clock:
{"hour": 12, "minute": 11, "second": 52}
